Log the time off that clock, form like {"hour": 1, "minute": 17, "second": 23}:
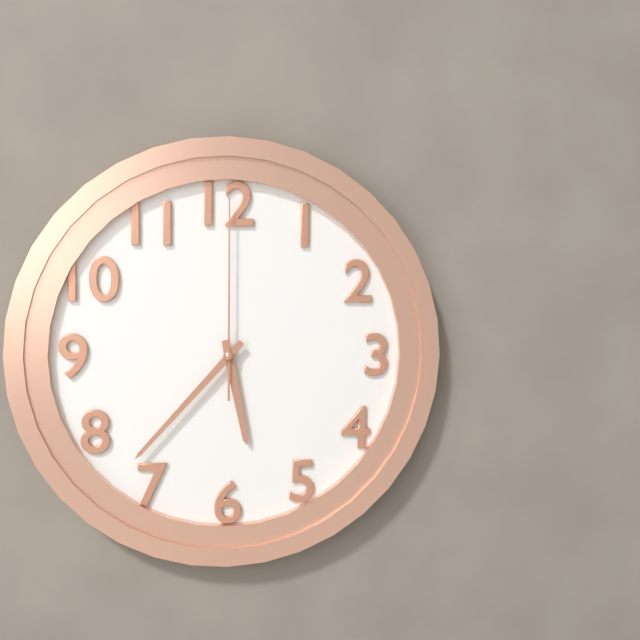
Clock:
{"hour": 5, "minute": 37, "second": 0}
